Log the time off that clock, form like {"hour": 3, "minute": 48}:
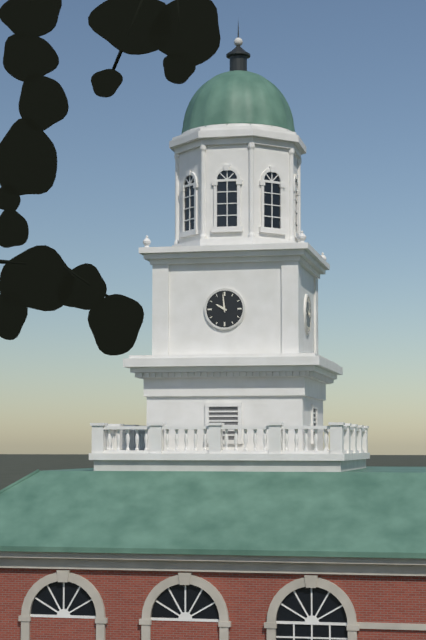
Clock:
{"hour": 9, "minute": 59}
